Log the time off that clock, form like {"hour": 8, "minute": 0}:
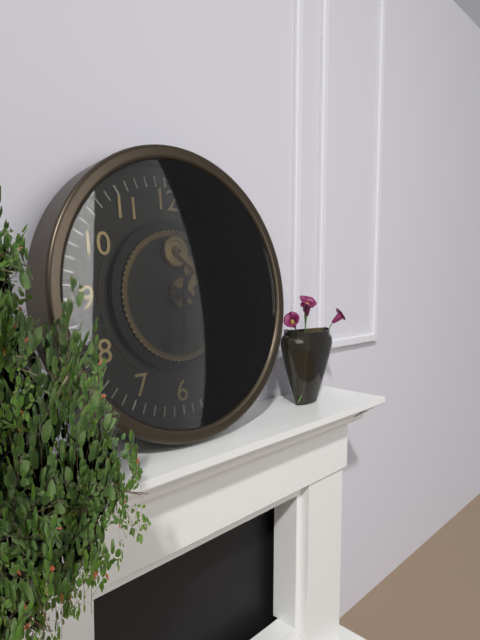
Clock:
{"hour": 6, "minute": 19}
